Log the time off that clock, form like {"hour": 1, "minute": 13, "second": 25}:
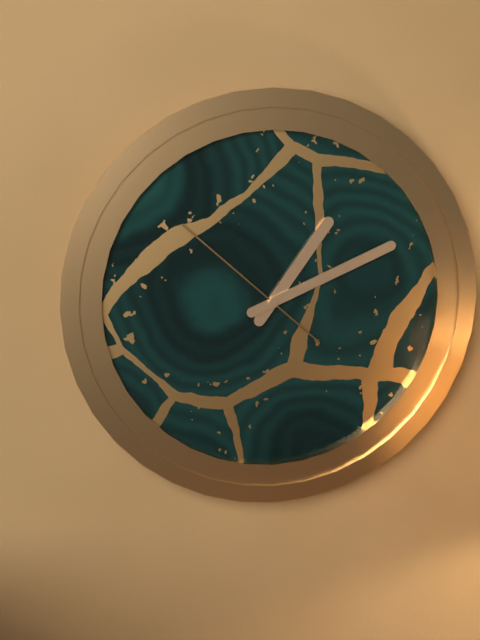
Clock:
{"hour": 1, "minute": 11, "second": 52}
